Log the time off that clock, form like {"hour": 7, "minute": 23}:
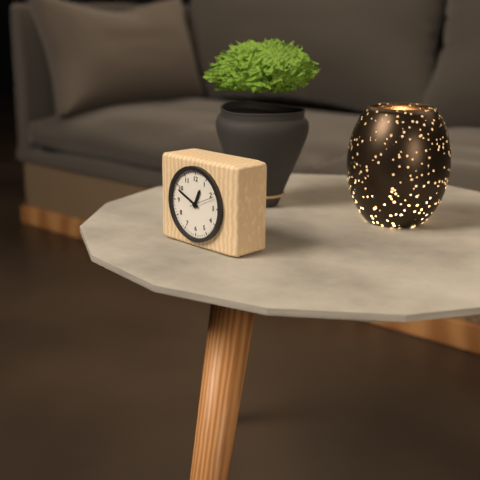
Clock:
{"hour": 12, "minute": 49}
